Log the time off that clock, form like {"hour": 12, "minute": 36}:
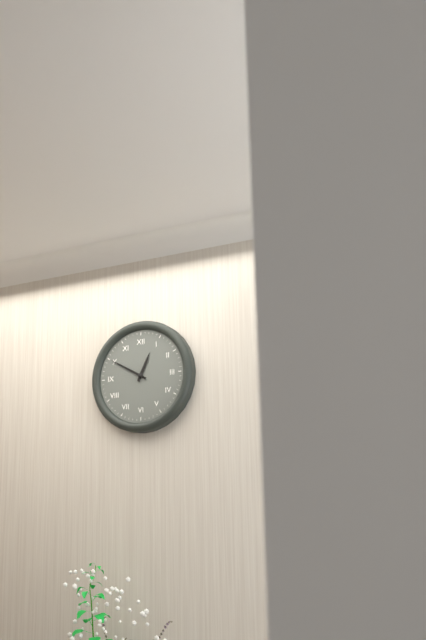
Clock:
{"hour": 12, "minute": 50}
